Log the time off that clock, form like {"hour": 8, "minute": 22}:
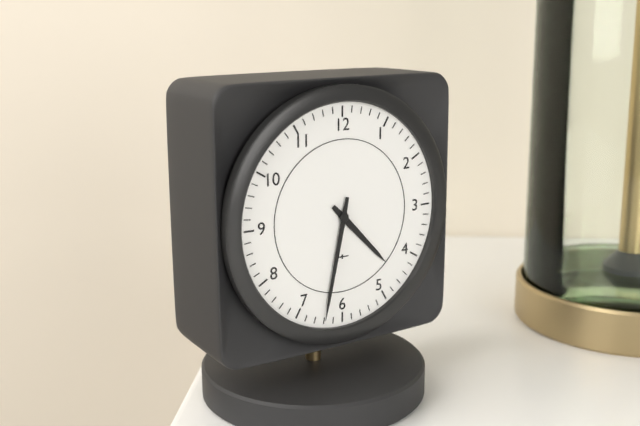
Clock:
{"hour": 4, "minute": 32}
